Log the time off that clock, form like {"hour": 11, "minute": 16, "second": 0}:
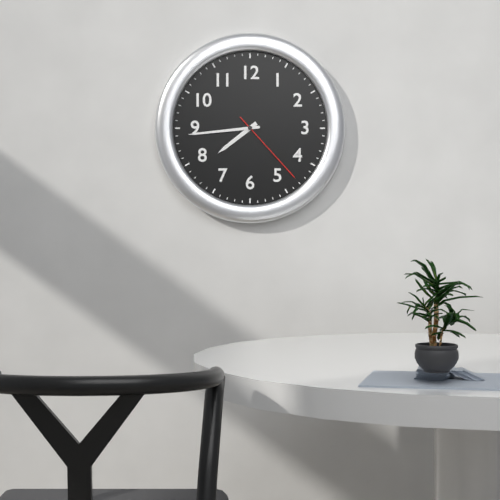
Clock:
{"hour": 7, "minute": 44, "second": 23}
